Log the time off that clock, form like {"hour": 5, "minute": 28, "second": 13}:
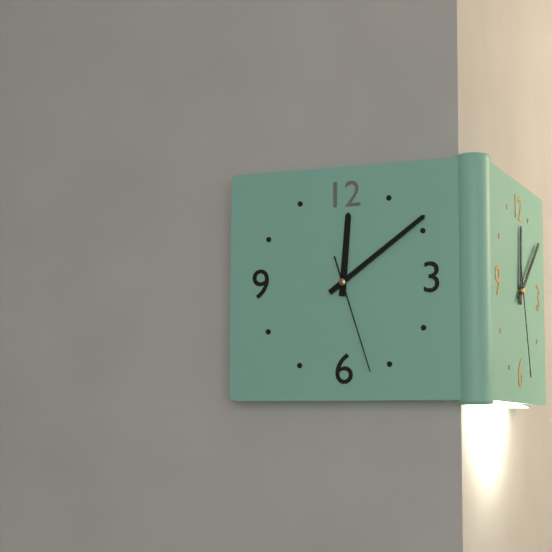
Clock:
{"hour": 12, "minute": 9, "second": 27}
